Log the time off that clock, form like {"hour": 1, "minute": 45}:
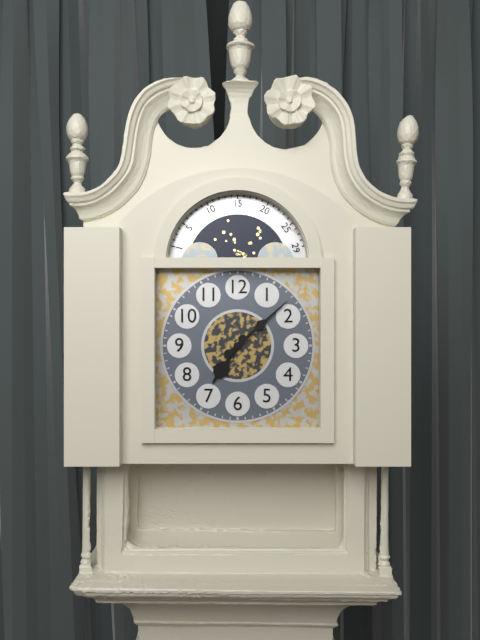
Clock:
{"hour": 7, "minute": 8}
